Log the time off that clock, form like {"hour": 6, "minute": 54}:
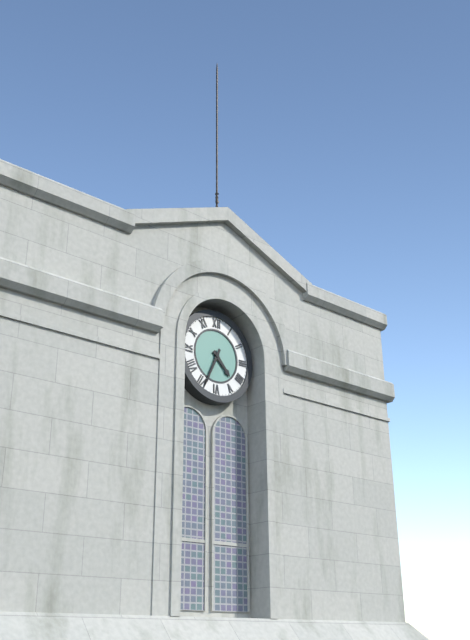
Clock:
{"hour": 4, "minute": 34}
